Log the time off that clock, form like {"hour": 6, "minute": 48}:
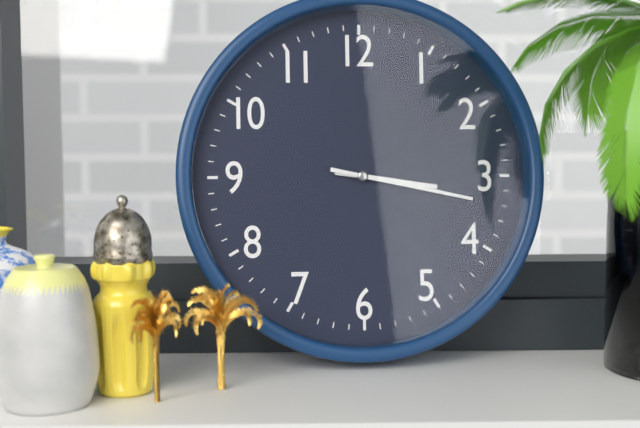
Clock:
{"hour": 3, "minute": 17}
